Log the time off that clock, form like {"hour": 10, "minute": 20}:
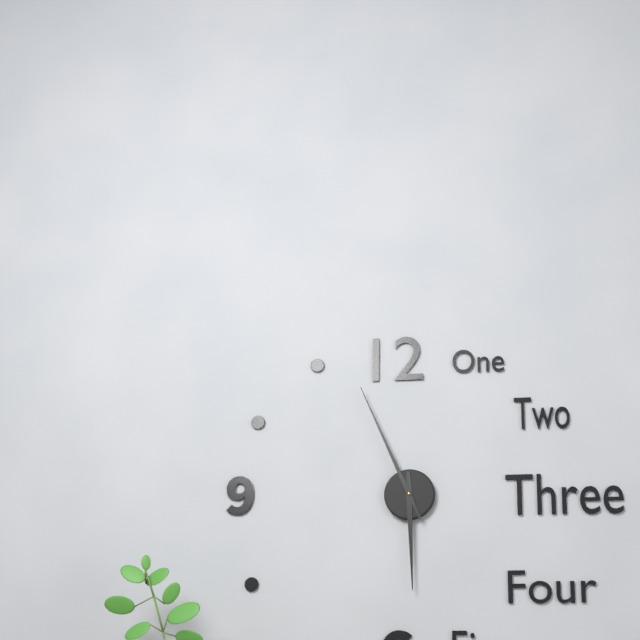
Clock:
{"hour": 5, "minute": 56}
